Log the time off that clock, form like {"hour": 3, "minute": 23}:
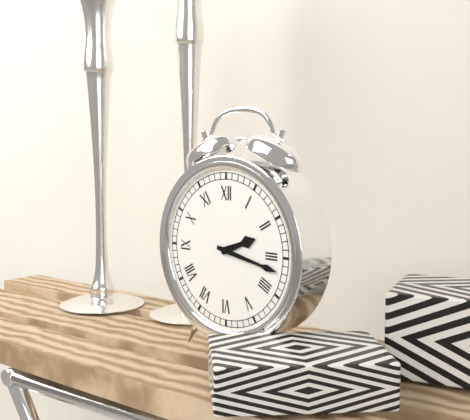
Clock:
{"hour": 2, "minute": 17}
